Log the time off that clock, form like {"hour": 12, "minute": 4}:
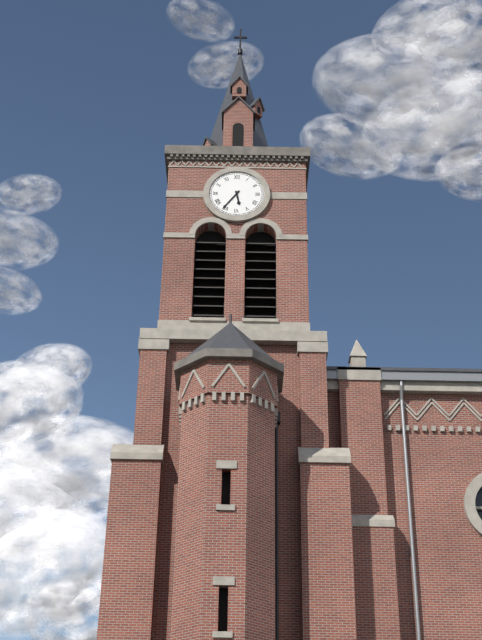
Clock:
{"hour": 5, "minute": 36}
